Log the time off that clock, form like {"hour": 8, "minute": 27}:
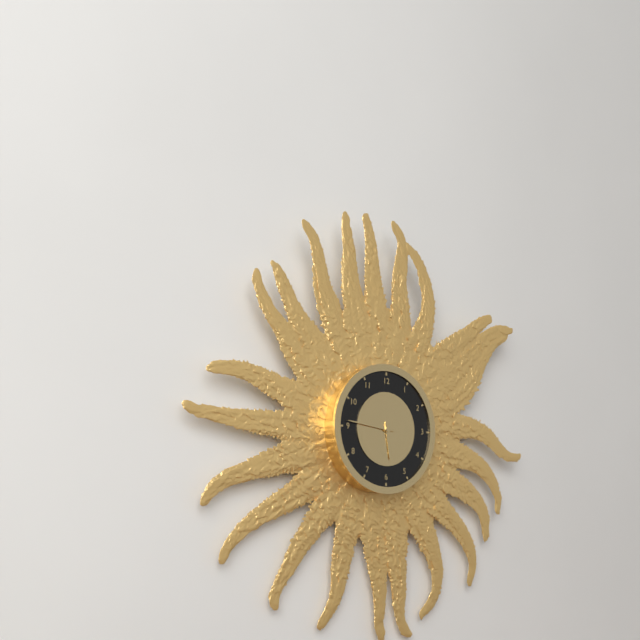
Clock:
{"hour": 5, "minute": 46}
